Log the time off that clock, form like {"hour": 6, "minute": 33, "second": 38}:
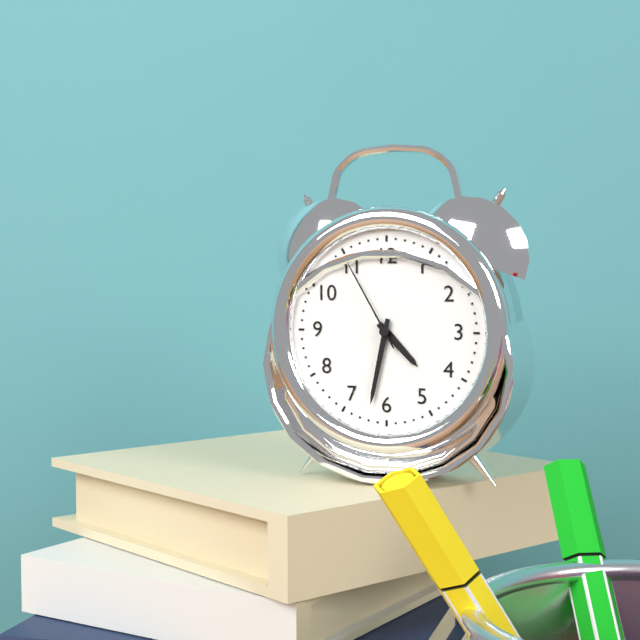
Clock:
{"hour": 4, "minute": 32, "second": 55}
